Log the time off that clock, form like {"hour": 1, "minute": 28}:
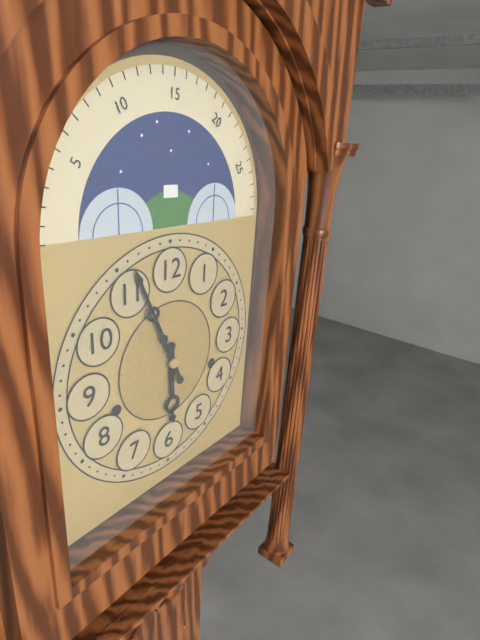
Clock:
{"hour": 5, "minute": 56}
